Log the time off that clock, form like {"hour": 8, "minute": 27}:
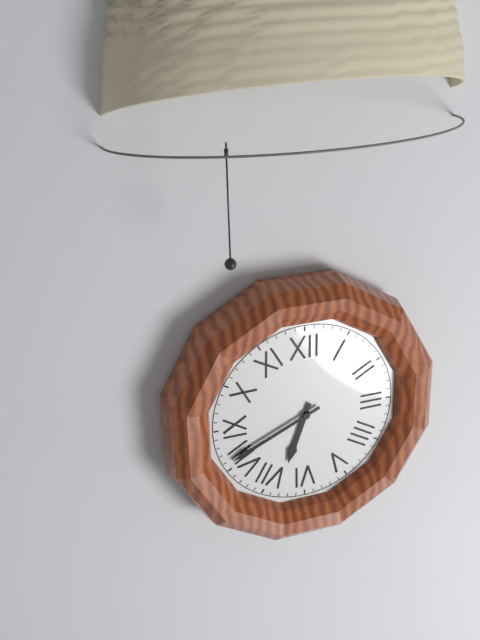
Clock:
{"hour": 6, "minute": 41}
